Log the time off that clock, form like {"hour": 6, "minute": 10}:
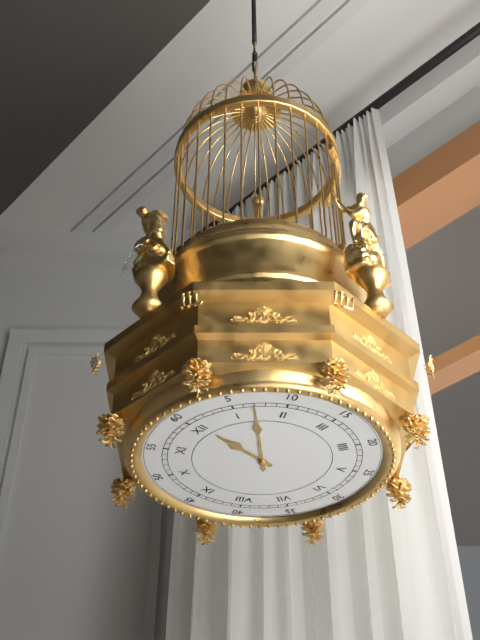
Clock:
{"hour": 12, "minute": 7}
